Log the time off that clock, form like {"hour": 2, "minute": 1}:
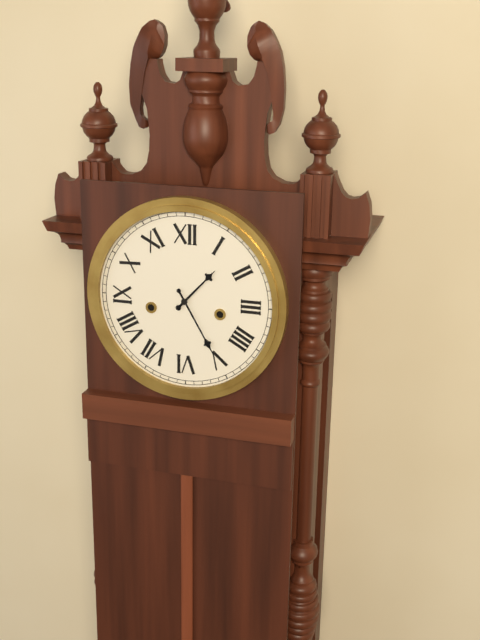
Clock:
{"hour": 1, "minute": 25}
